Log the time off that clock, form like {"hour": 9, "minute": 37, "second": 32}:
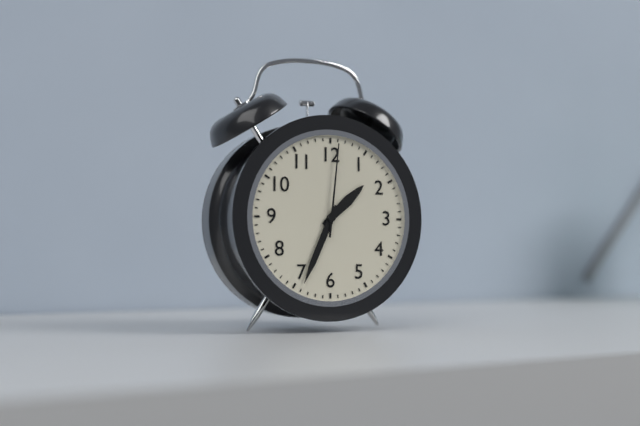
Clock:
{"hour": 1, "minute": 34, "second": 1}
